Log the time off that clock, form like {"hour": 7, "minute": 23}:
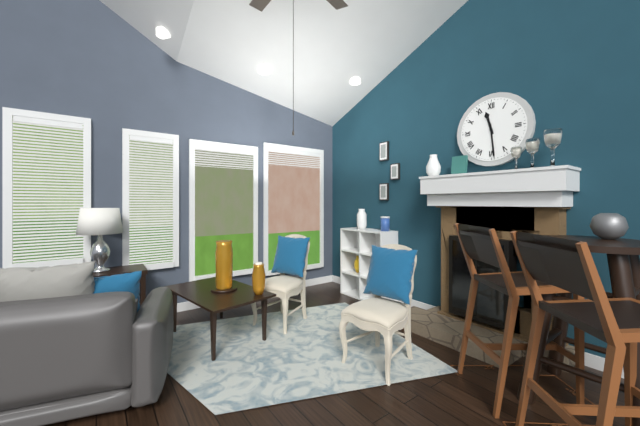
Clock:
{"hour": 11, "minute": 29}
